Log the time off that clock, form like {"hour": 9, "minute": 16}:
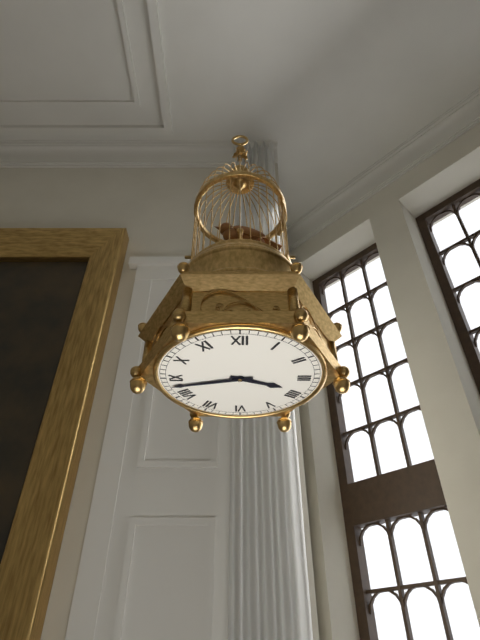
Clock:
{"hour": 3, "minute": 43}
